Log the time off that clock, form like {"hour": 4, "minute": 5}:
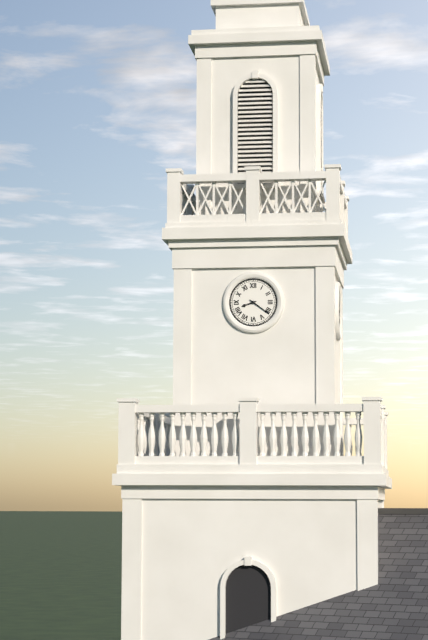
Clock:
{"hour": 8, "minute": 21}
